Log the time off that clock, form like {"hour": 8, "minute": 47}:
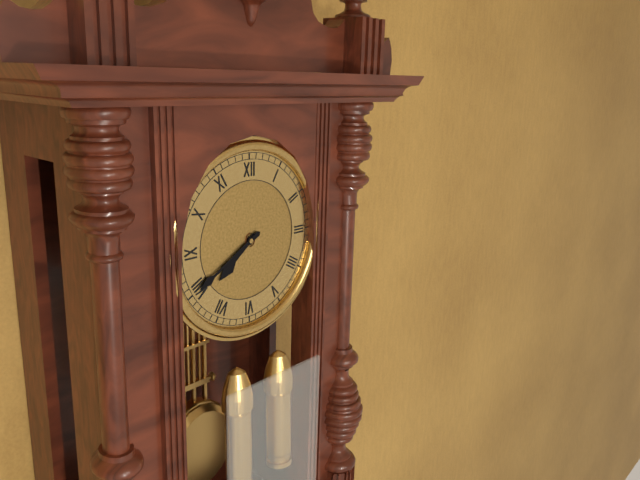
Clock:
{"hour": 7, "minute": 40}
